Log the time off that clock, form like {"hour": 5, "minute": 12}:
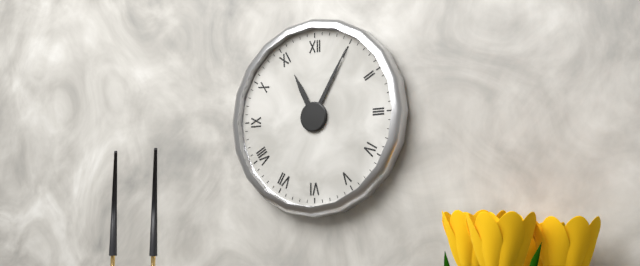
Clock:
{"hour": 11, "minute": 5}
